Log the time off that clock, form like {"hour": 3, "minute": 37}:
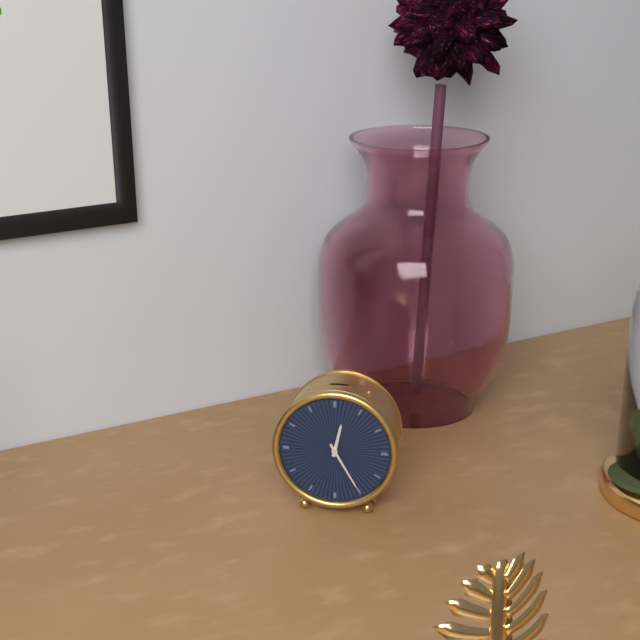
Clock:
{"hour": 12, "minute": 25}
